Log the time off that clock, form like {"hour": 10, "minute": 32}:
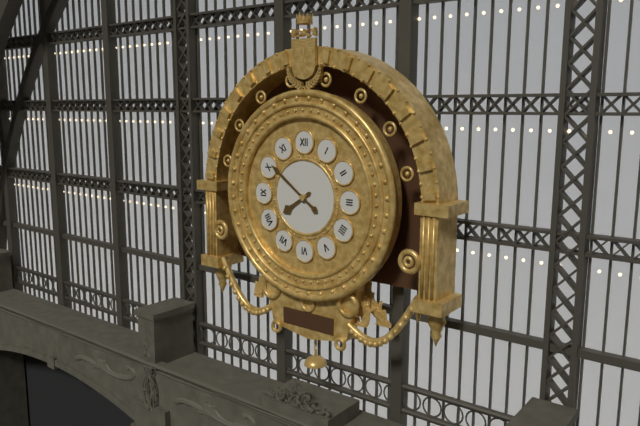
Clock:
{"hour": 7, "minute": 51}
